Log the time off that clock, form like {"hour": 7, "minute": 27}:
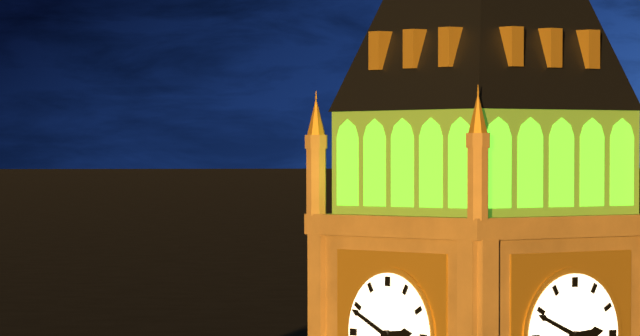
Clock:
{"hour": 2, "minute": 49}
